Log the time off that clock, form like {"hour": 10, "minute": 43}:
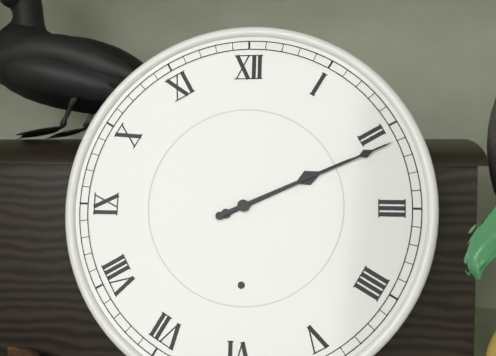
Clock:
{"hour": 2, "minute": 11}
